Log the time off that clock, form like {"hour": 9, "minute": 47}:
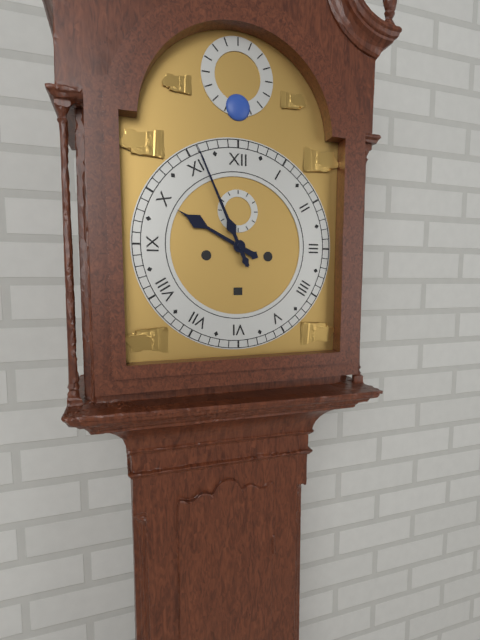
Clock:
{"hour": 9, "minute": 56}
